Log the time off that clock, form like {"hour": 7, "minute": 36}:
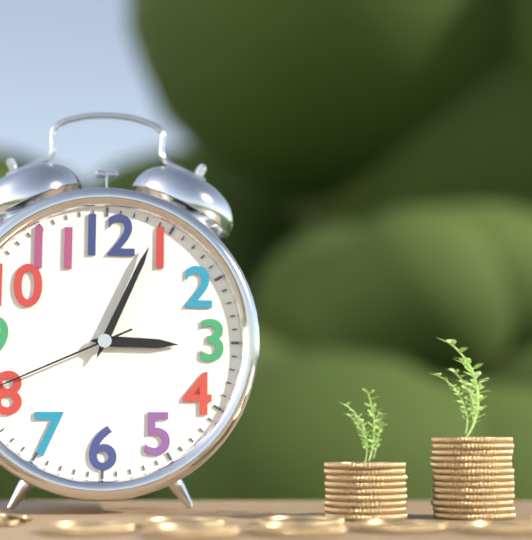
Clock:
{"hour": 3, "minute": 4}
